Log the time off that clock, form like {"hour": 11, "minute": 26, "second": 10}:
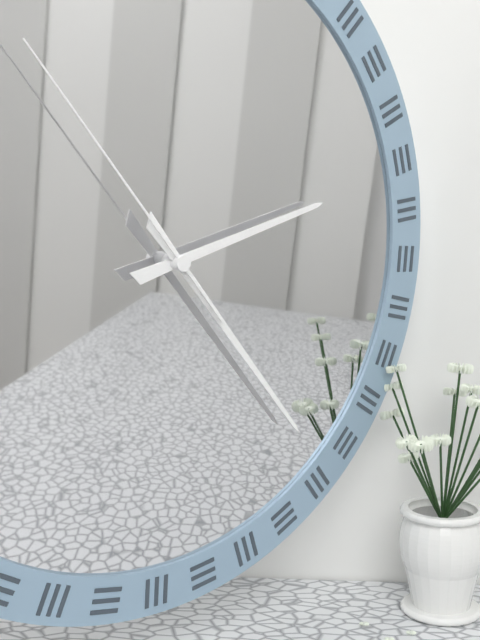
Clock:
{"hour": 2, "minute": 23, "second": 53}
